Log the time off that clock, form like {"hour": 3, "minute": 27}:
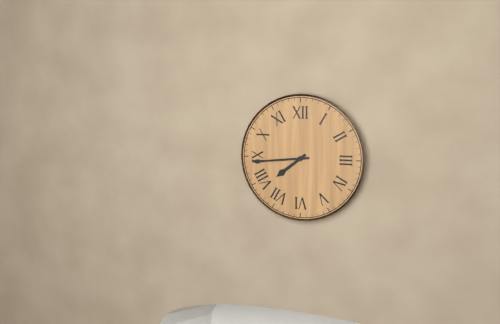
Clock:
{"hour": 7, "minute": 44}
